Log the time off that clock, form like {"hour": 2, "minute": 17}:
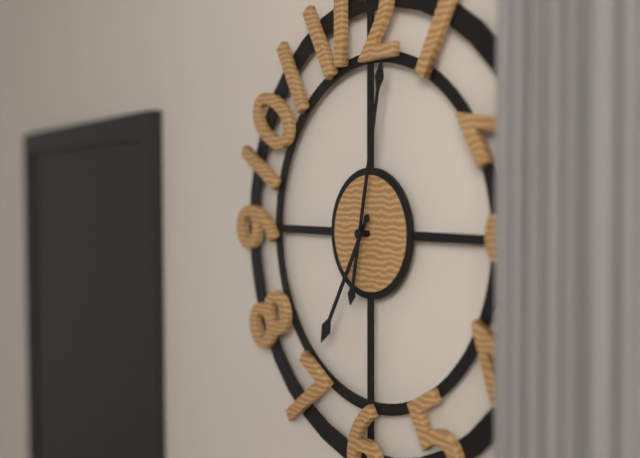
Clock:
{"hour": 7, "minute": 2}
